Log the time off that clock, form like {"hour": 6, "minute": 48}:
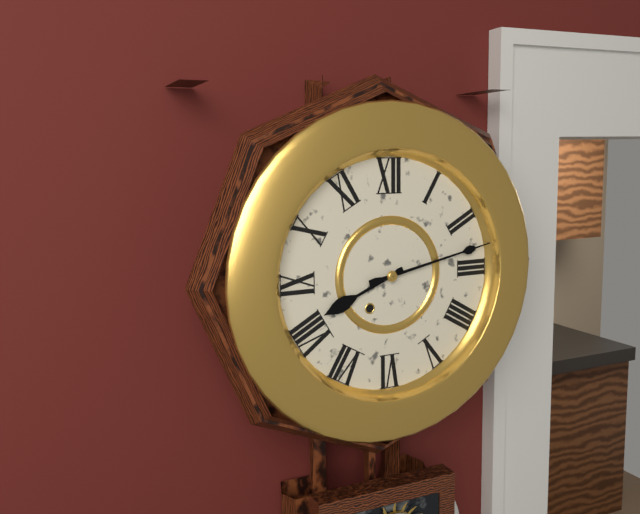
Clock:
{"hour": 8, "minute": 13}
